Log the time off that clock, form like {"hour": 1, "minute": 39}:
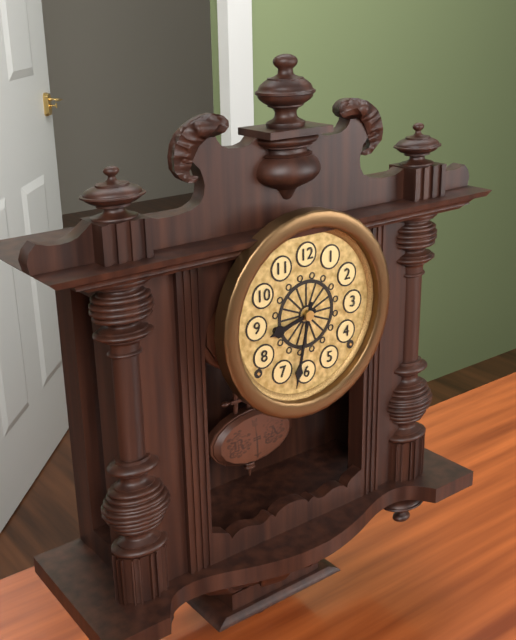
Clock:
{"hour": 8, "minute": 32}
